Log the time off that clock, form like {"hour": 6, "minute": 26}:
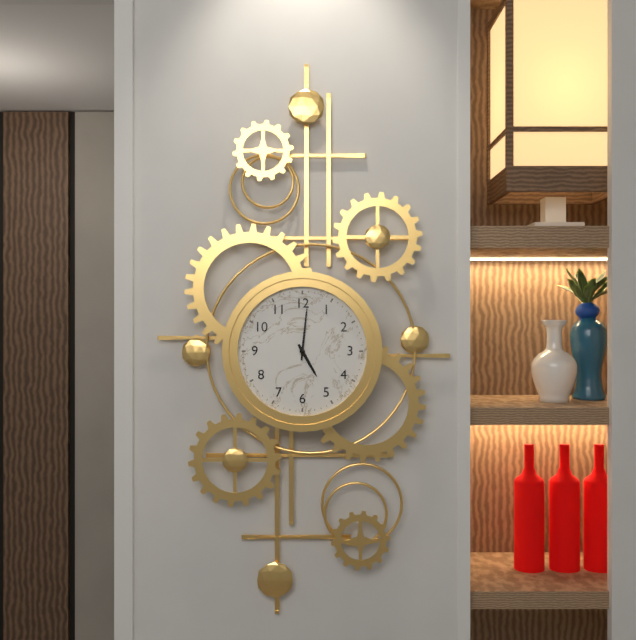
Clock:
{"hour": 5, "minute": 1}
